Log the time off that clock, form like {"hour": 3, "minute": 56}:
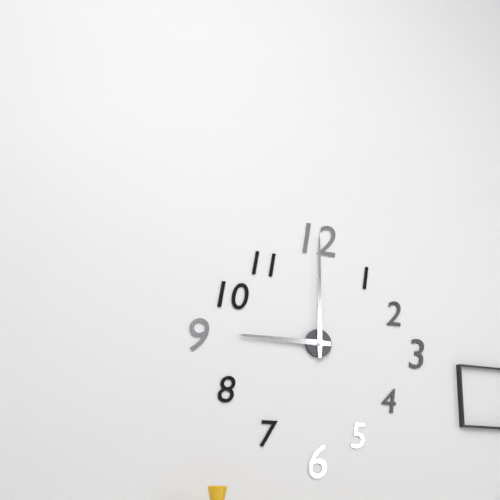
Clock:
{"hour": 9, "minute": 0}
